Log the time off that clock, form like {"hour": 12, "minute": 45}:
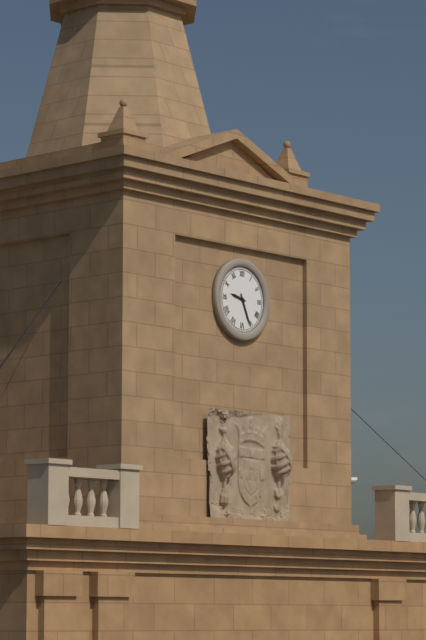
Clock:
{"hour": 9, "minute": 26}
